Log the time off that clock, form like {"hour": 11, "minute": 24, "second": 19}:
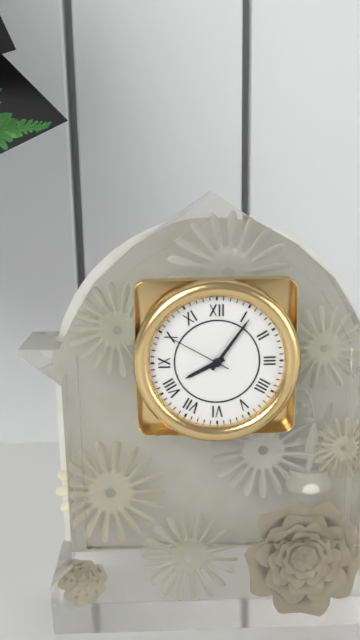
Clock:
{"hour": 8, "minute": 6, "second": 50}
